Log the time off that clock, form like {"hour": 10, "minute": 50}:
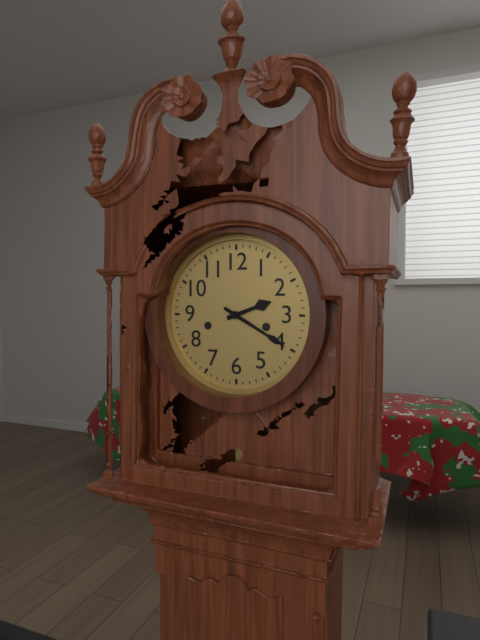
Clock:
{"hour": 2, "minute": 20}
